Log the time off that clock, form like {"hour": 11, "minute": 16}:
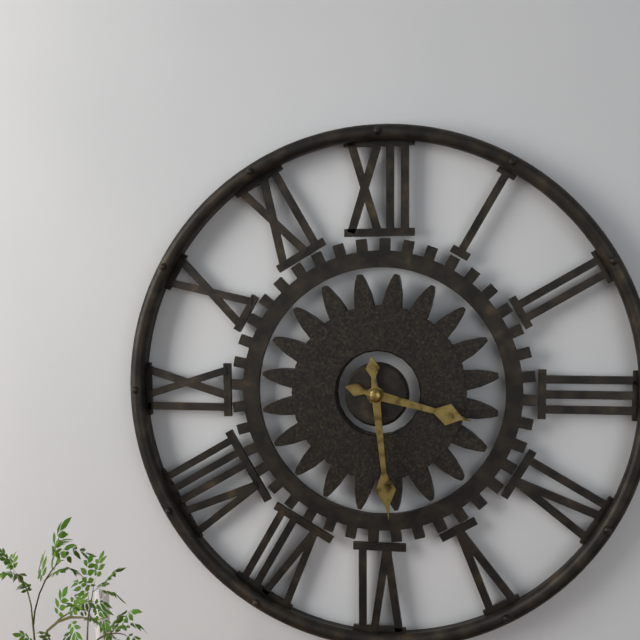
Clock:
{"hour": 3, "minute": 29}
